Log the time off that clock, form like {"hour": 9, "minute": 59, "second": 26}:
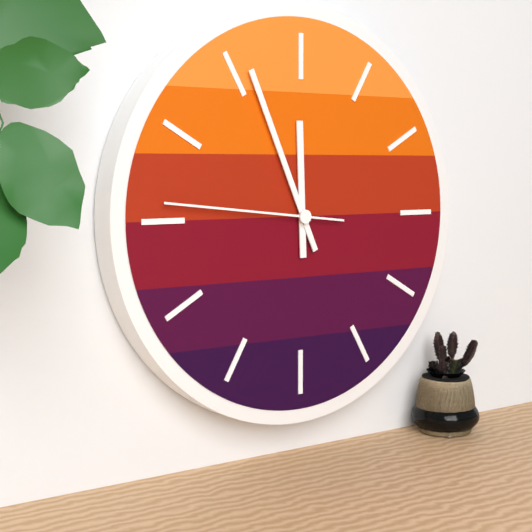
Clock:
{"hour": 11, "minute": 56, "second": 46}
